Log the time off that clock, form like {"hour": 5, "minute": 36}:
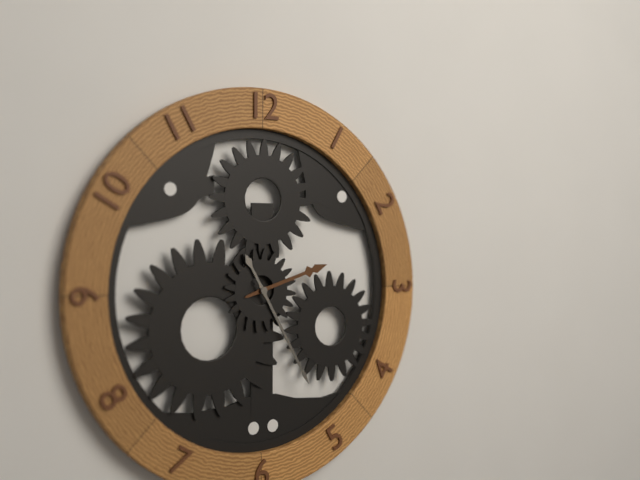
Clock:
{"hour": 2, "minute": 25}
